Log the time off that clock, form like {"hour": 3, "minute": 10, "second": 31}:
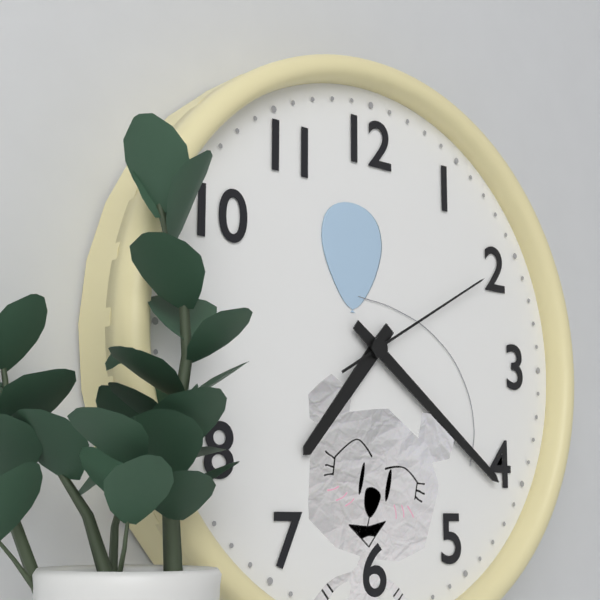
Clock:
{"hour": 7, "minute": 21, "second": 10}
